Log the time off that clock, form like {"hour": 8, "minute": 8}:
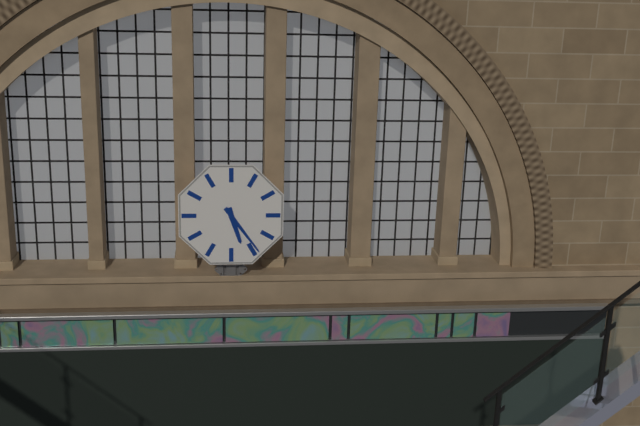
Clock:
{"hour": 5, "minute": 24}
